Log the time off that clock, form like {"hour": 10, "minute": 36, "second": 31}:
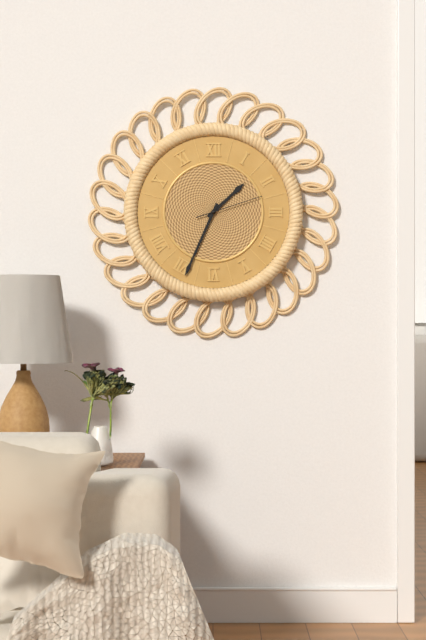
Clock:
{"hour": 1, "minute": 34, "second": 12}
